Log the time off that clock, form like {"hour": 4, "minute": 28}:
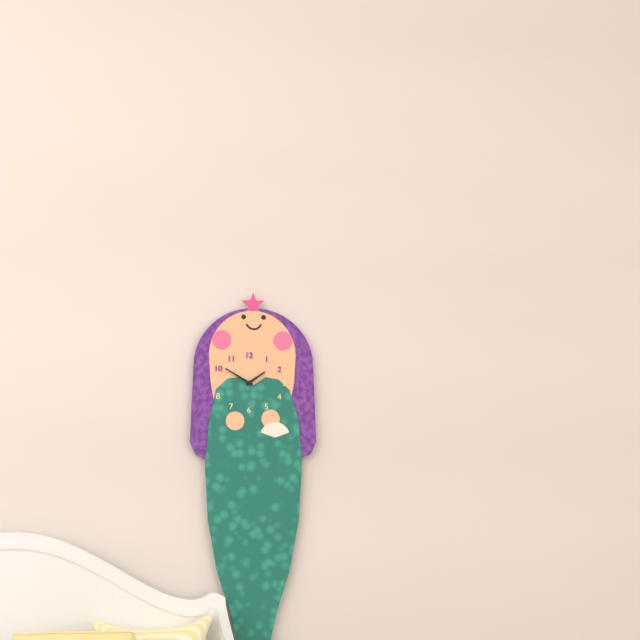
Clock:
{"hour": 1, "minute": 50}
